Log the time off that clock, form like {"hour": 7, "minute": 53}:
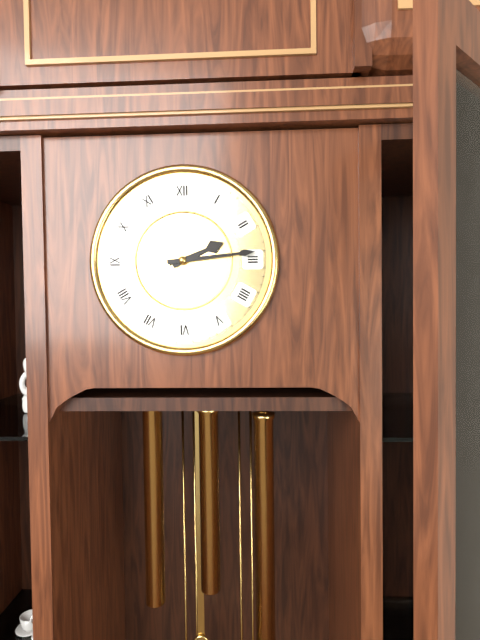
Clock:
{"hour": 2, "minute": 14}
